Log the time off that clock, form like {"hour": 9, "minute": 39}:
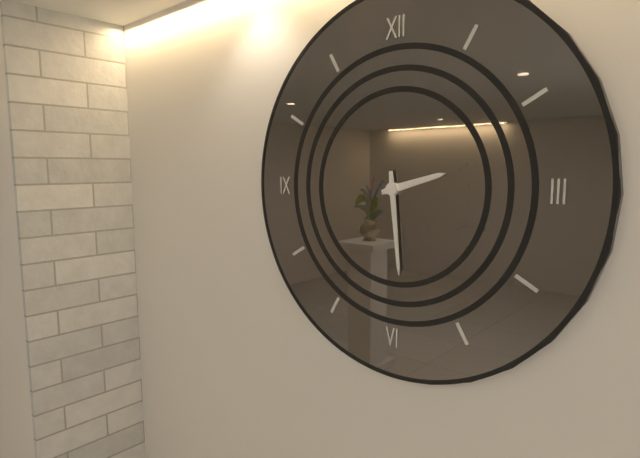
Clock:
{"hour": 2, "minute": 29}
